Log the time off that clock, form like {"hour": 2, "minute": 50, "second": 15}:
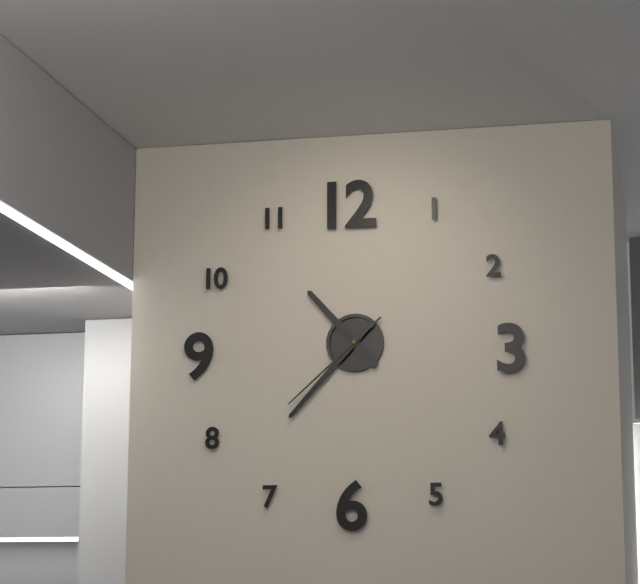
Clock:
{"hour": 10, "minute": 37, "second": 38}
